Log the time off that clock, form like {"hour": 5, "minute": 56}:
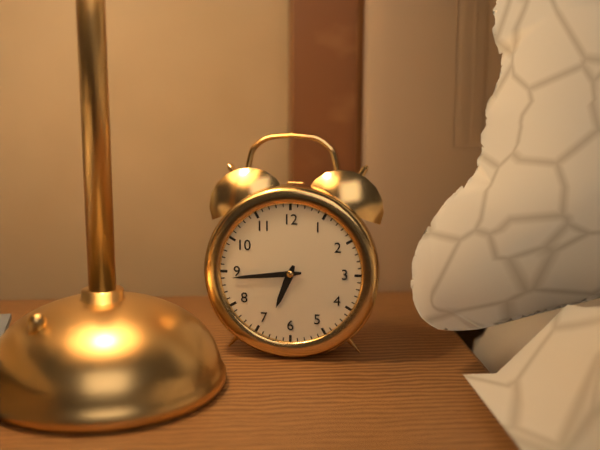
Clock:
{"hour": 6, "minute": 44}
